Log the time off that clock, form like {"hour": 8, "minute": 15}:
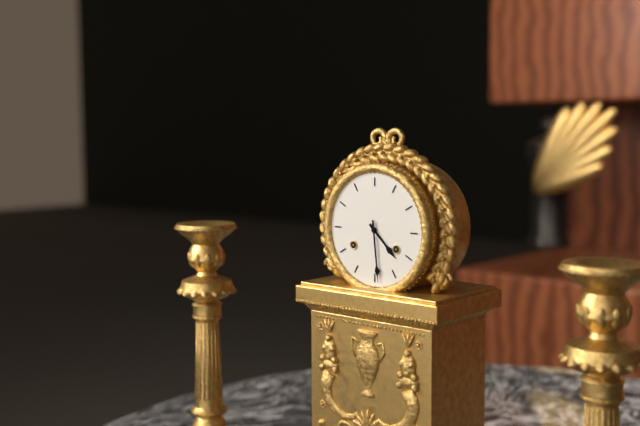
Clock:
{"hour": 4, "minute": 29}
